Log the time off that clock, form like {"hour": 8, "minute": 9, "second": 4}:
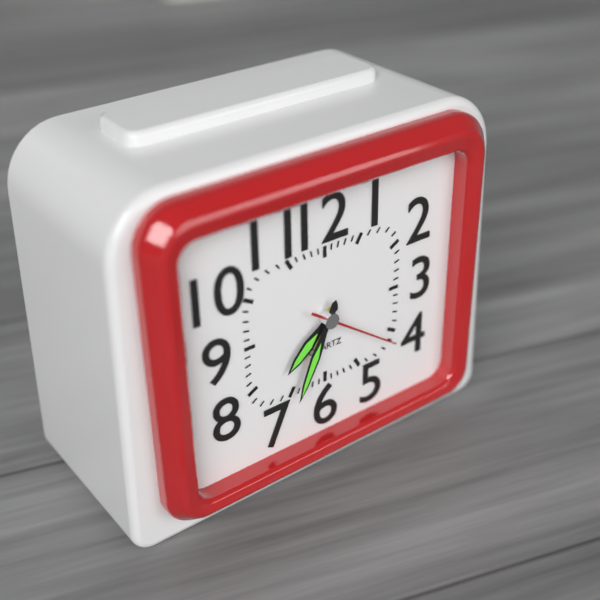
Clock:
{"hour": 7, "minute": 34, "second": 21}
